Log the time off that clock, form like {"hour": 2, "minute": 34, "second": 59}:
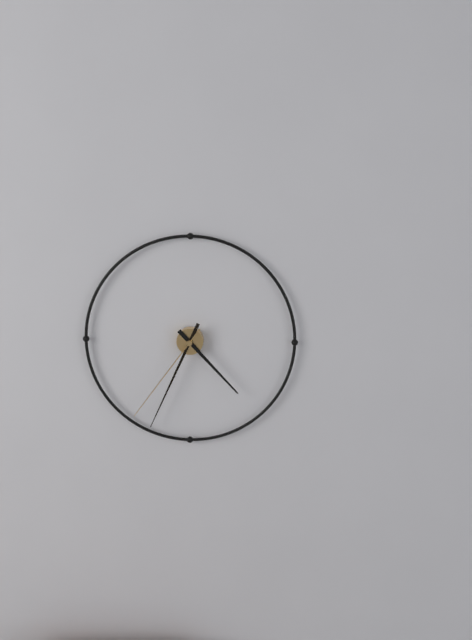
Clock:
{"hour": 4, "minute": 34, "second": 36}
